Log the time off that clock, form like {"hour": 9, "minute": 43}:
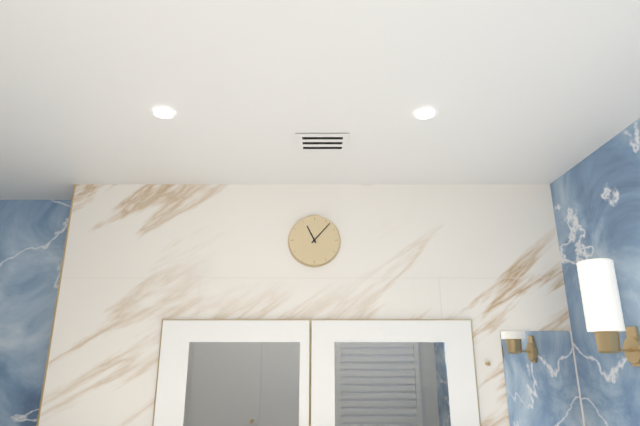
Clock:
{"hour": 11, "minute": 7}
